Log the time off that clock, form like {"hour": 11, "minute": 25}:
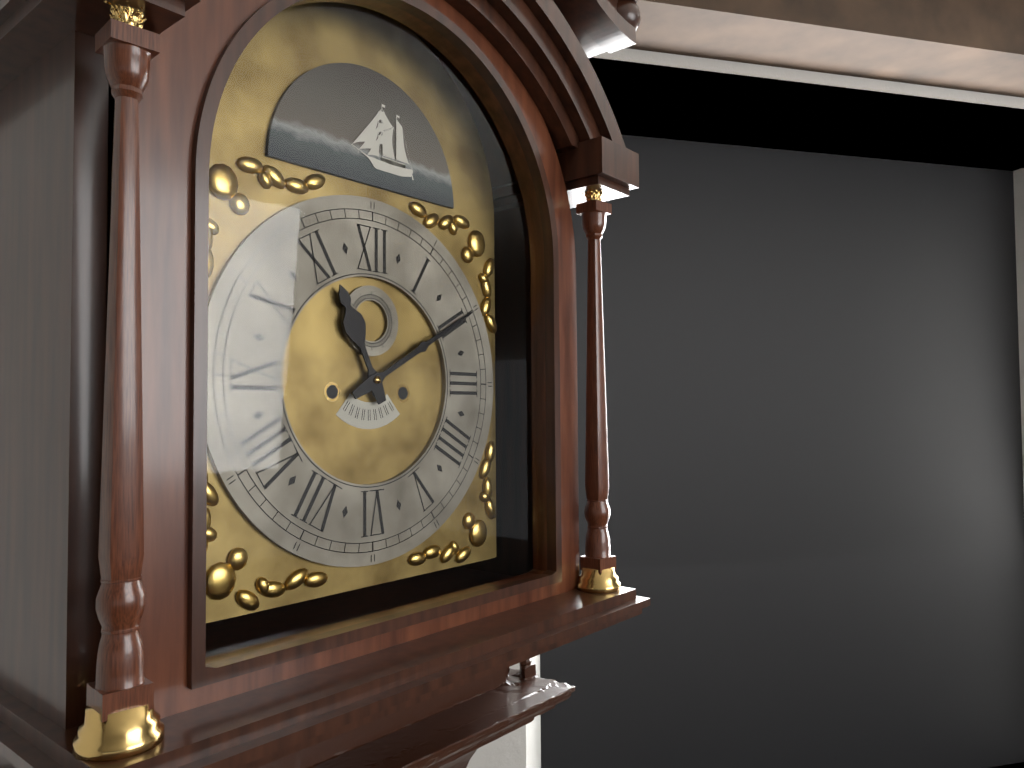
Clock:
{"hour": 11, "minute": 10}
